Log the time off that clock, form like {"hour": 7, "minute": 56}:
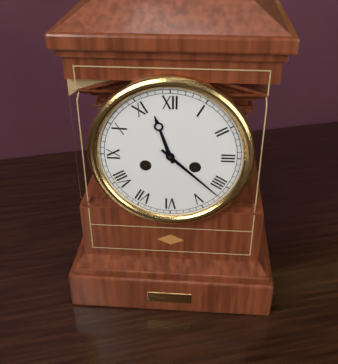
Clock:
{"hour": 11, "minute": 22}
